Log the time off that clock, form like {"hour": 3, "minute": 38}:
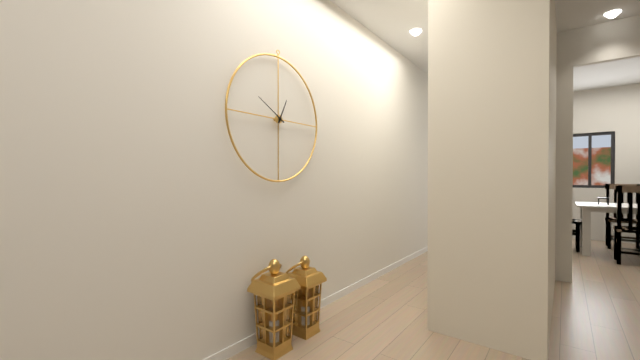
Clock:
{"hour": 12, "minute": 50}
